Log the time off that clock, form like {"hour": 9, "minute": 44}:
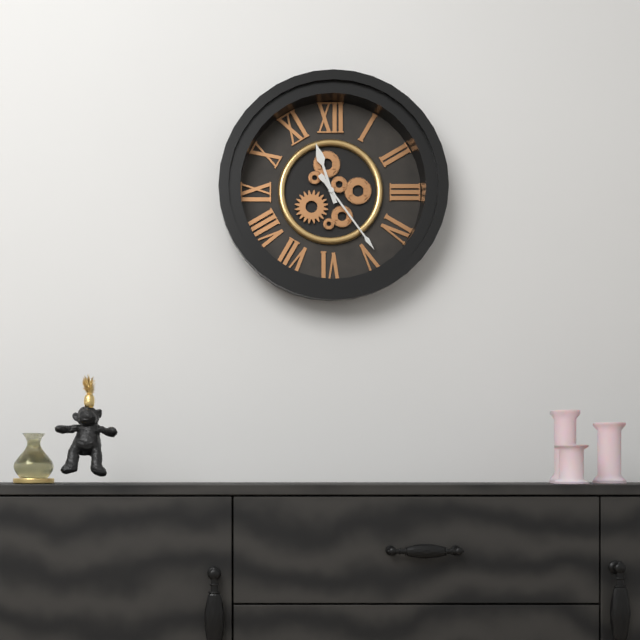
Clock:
{"hour": 11, "minute": 24}
